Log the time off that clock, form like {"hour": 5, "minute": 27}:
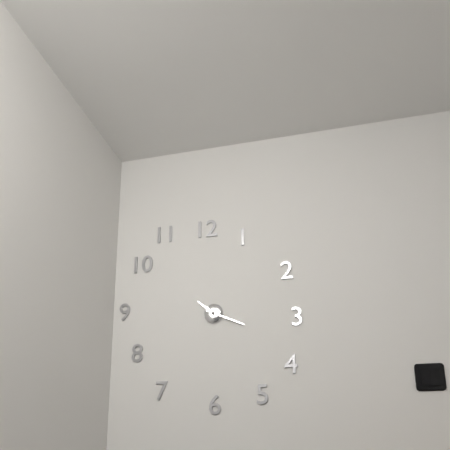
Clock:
{"hour": 10, "minute": 19}
